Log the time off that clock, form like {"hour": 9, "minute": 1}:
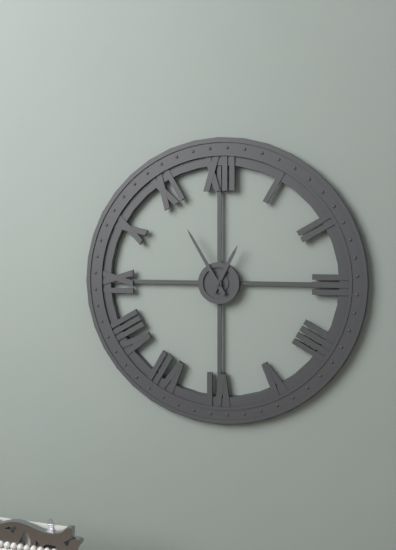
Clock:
{"hour": 12, "minute": 55}
